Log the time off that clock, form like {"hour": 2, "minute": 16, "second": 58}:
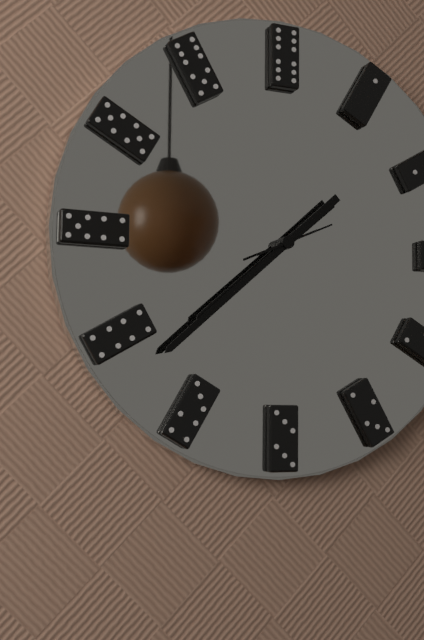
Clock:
{"hour": 7, "minute": 38, "second": 11}
